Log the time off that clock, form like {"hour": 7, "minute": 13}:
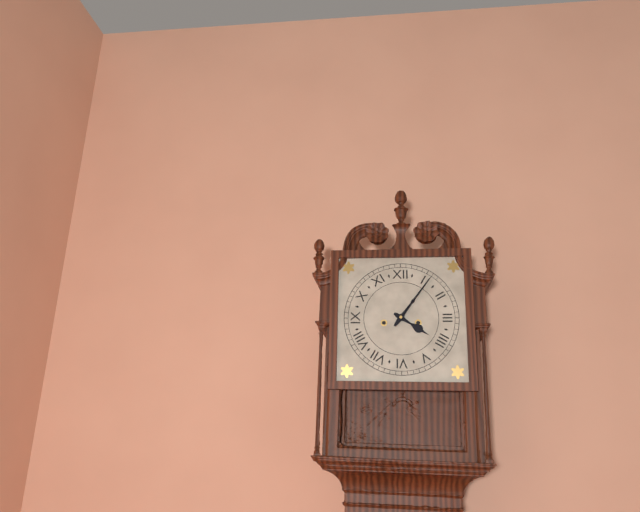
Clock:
{"hour": 4, "minute": 6}
